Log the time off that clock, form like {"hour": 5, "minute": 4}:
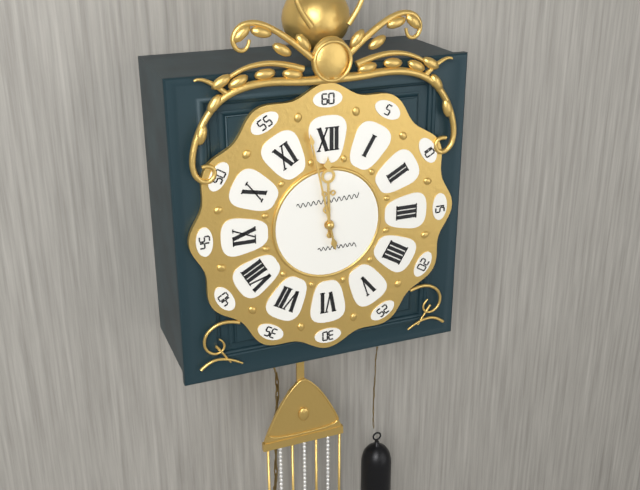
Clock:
{"hour": 11, "minute": 58}
